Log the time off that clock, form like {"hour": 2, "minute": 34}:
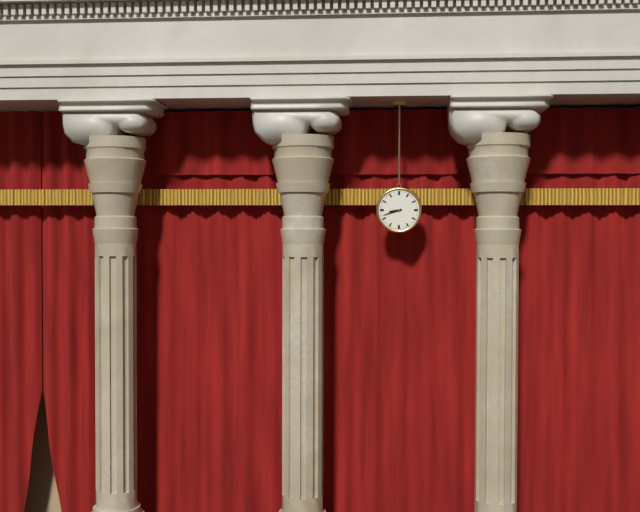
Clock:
{"hour": 8, "minute": 42}
